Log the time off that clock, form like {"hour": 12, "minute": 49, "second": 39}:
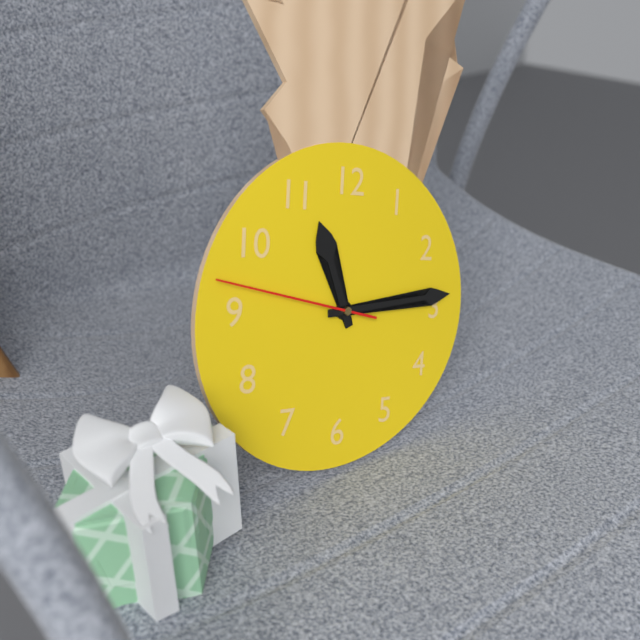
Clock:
{"hour": 11, "minute": 14, "second": 47}
